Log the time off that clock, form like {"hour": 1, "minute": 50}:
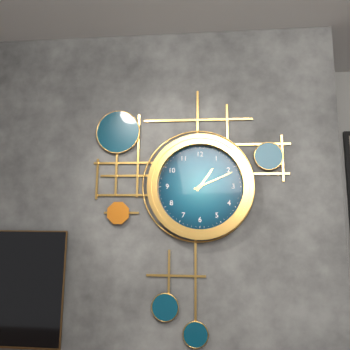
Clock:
{"hour": 1, "minute": 11}
